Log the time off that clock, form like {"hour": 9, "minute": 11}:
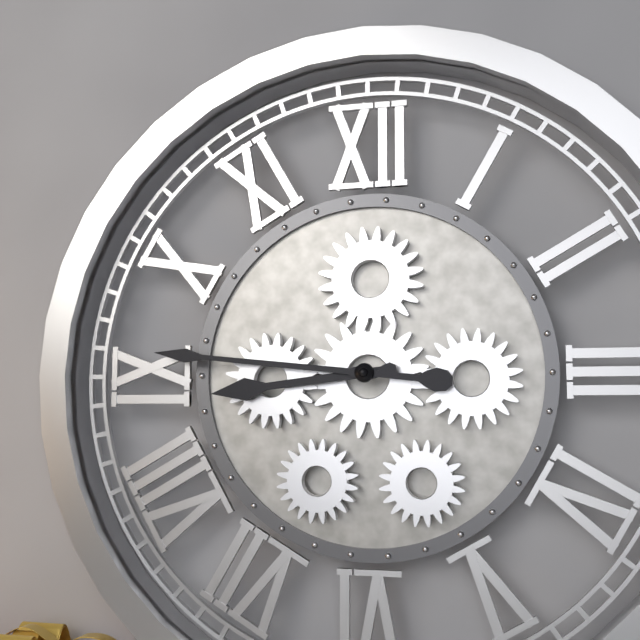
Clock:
{"hour": 8, "minute": 46}
